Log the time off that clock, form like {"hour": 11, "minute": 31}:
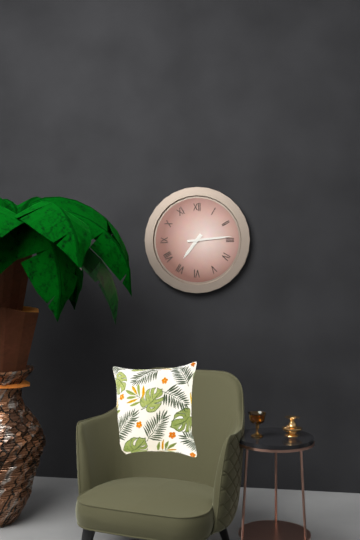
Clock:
{"hour": 7, "minute": 14}
